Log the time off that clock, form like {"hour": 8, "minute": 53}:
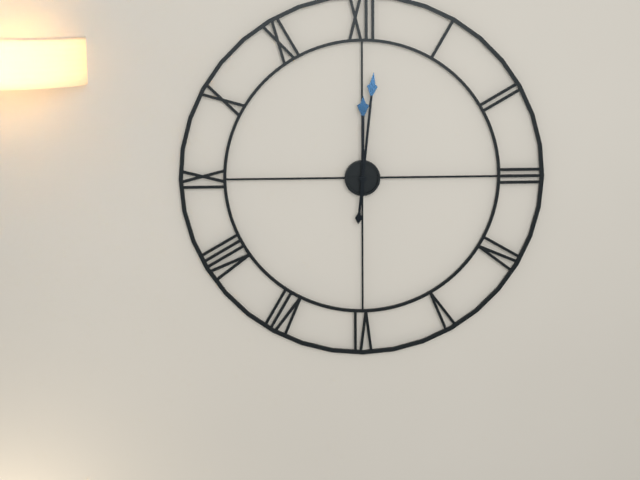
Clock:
{"hour": 12, "minute": 1}
